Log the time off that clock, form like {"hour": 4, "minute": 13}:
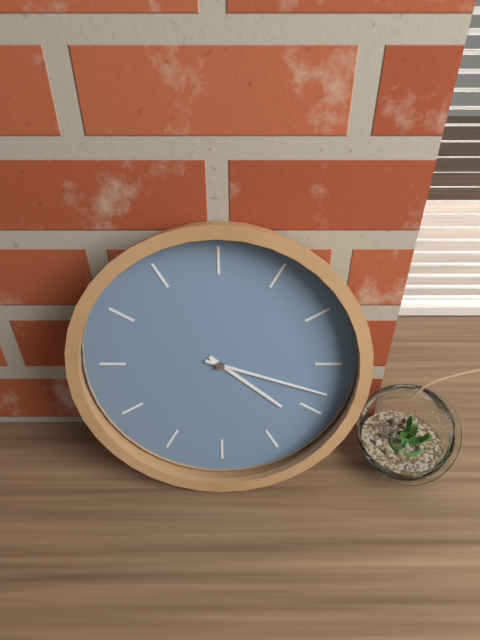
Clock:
{"hour": 4, "minute": 18}
